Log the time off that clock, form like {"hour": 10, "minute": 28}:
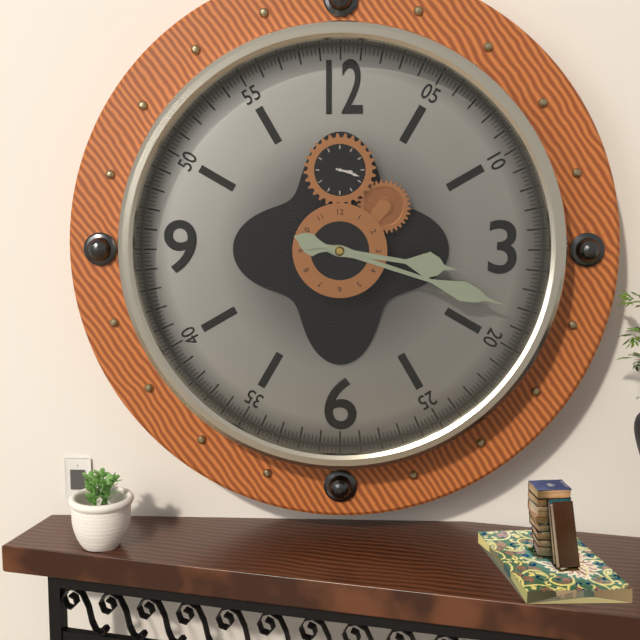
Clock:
{"hour": 3, "minute": 18}
